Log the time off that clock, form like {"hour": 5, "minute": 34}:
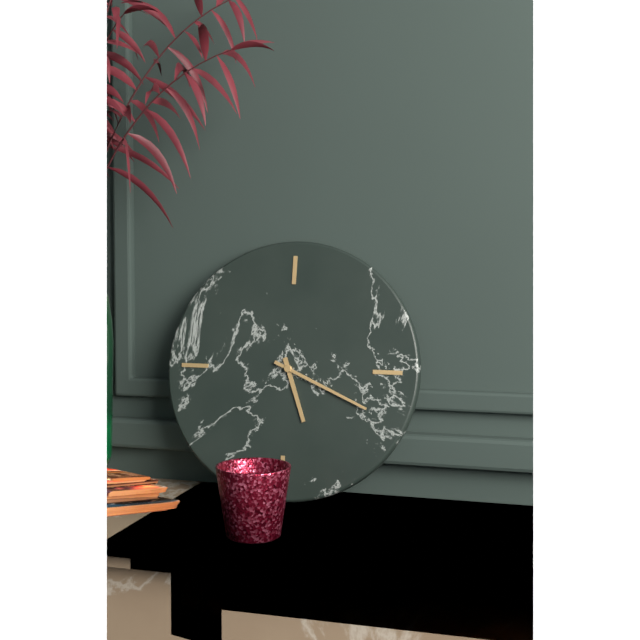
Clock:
{"hour": 5, "minute": 19}
